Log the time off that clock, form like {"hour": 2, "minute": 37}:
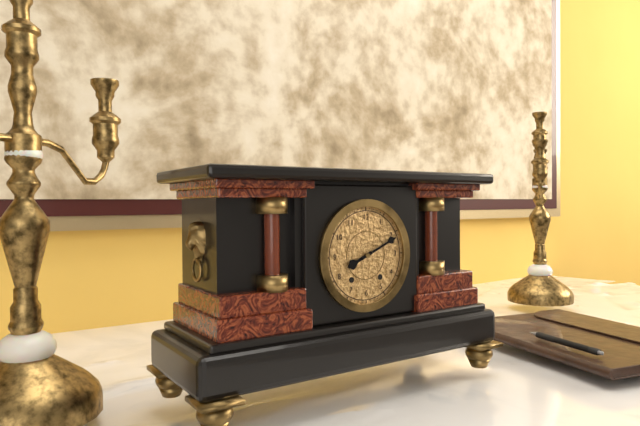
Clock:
{"hour": 8, "minute": 11}
